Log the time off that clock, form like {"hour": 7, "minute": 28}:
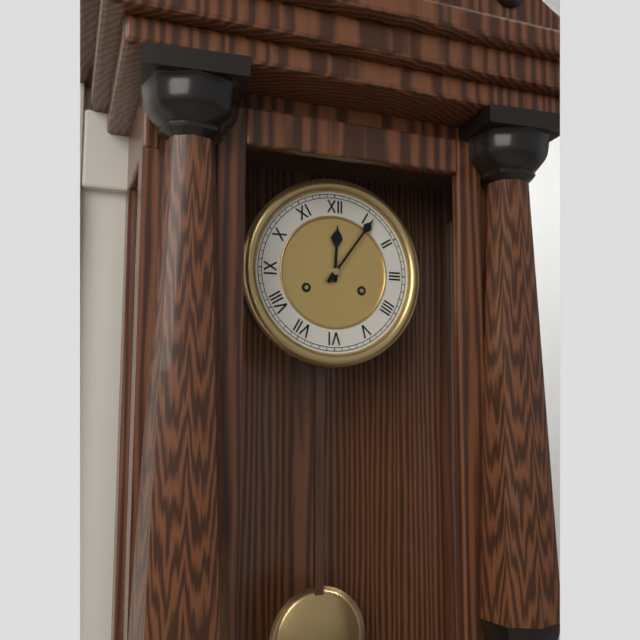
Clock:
{"hour": 12, "minute": 6}
